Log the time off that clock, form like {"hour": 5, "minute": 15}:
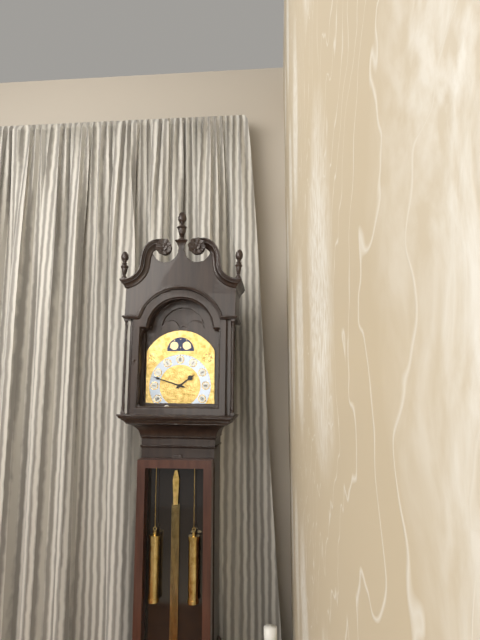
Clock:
{"hour": 1, "minute": 48}
